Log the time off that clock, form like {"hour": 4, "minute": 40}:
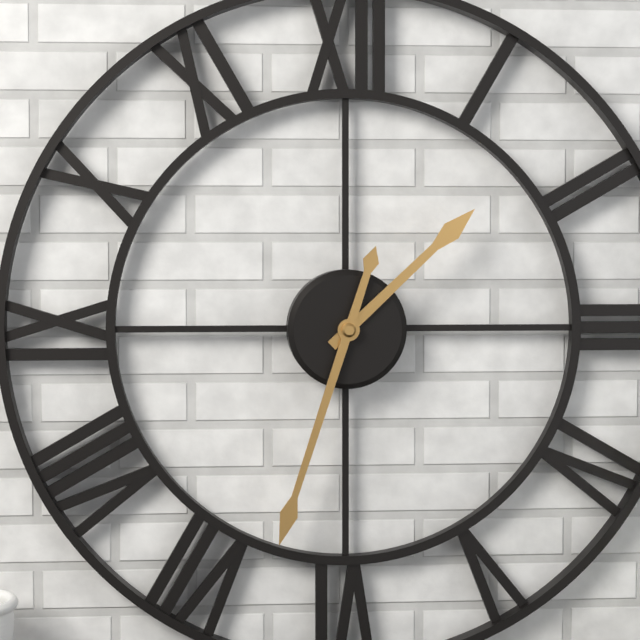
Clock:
{"hour": 1, "minute": 33}
